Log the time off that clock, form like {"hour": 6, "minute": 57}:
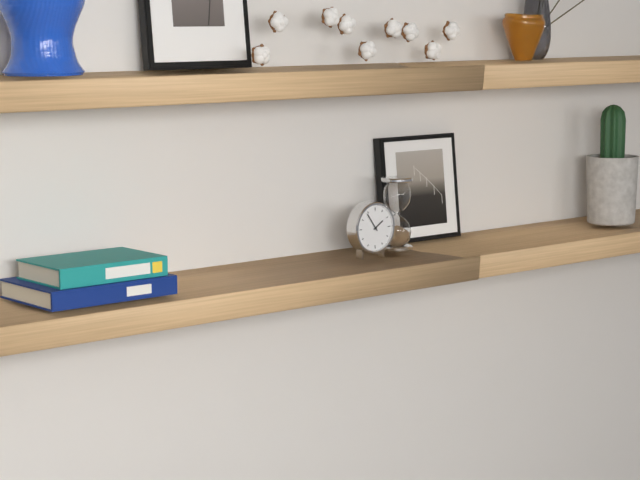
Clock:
{"hour": 1, "minute": 54}
